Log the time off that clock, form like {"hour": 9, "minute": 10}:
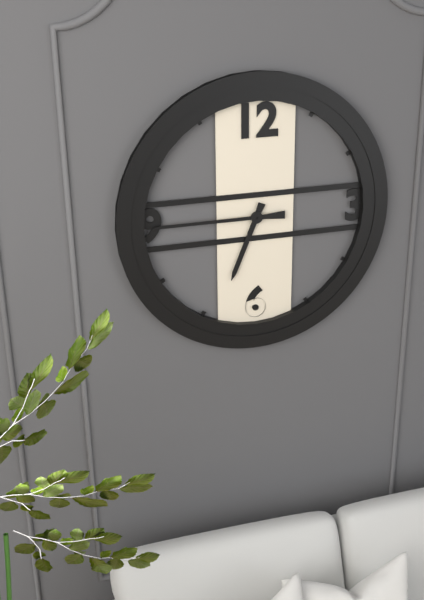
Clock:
{"hour": 6, "minute": 45}
